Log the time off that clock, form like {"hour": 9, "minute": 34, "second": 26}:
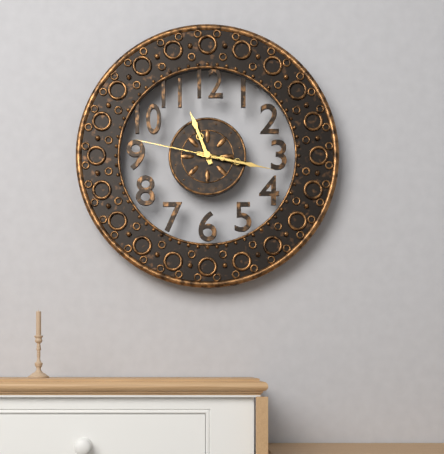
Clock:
{"hour": 11, "minute": 17, "second": 47}
